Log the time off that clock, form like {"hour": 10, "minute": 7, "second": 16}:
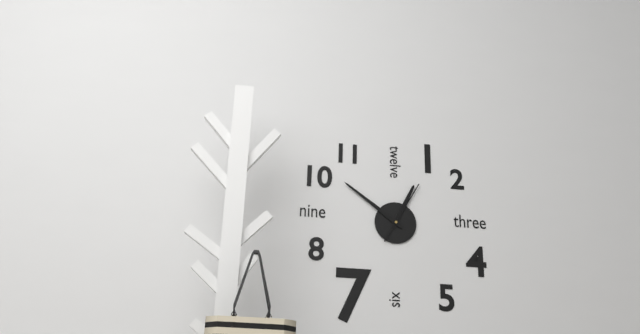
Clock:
{"hour": 12, "minute": 51, "second": 5}
